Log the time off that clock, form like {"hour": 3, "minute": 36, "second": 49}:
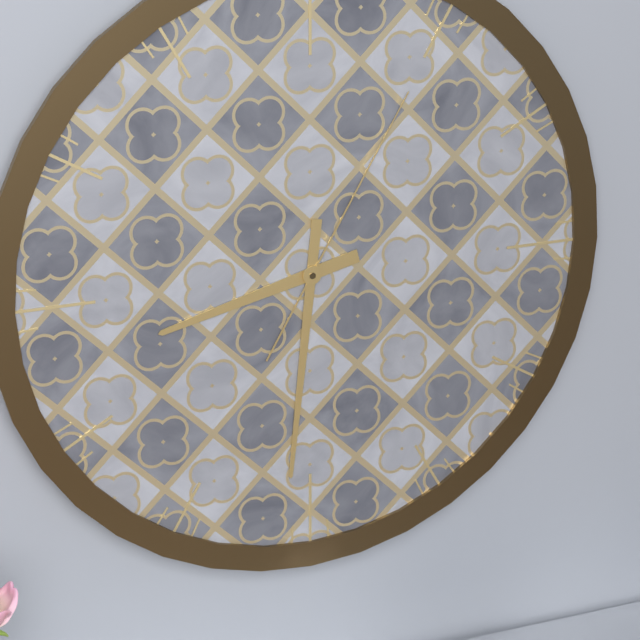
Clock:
{"hour": 8, "minute": 31, "second": 5}
